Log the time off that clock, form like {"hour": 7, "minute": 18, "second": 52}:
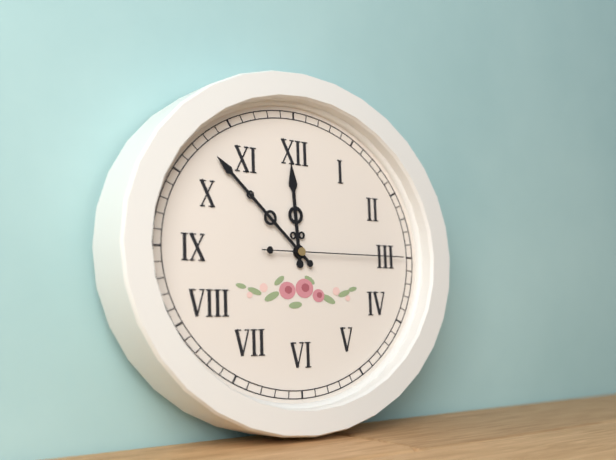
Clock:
{"hour": 11, "minute": 52, "second": 15}
